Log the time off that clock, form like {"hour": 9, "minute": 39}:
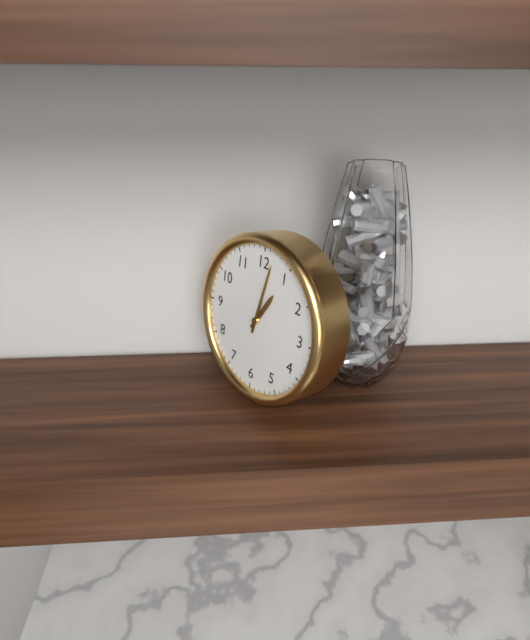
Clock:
{"hour": 1, "minute": 2}
